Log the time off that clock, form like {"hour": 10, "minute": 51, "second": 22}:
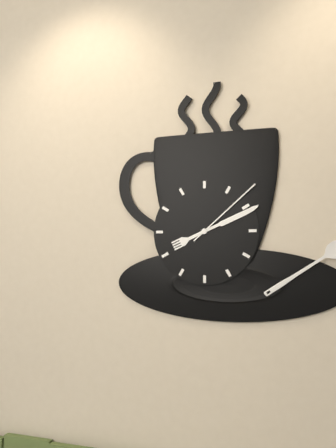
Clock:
{"hour": 8, "minute": 11, "second": 8}
